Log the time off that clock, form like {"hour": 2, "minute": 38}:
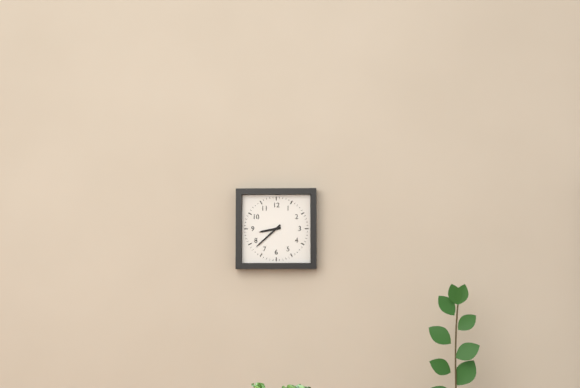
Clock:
{"hour": 8, "minute": 38}
